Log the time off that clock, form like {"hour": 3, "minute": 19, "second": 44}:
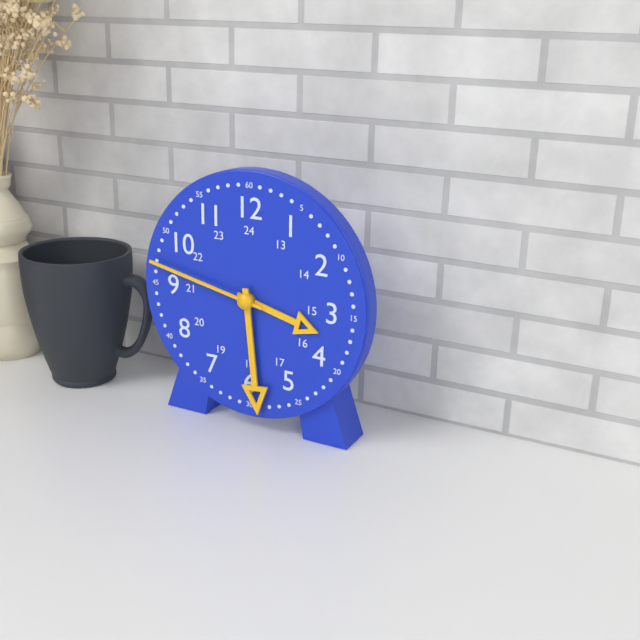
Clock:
{"hour": 3, "minute": 29, "second": 47}
